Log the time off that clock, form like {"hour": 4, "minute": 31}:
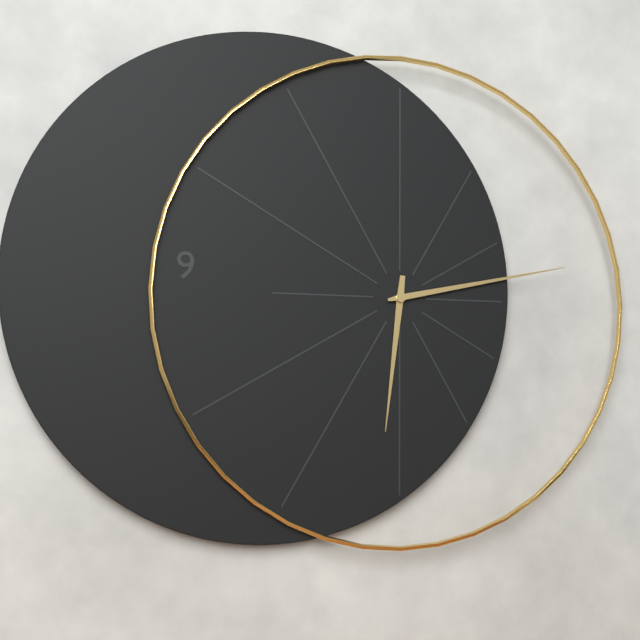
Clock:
{"hour": 6, "minute": 13}
